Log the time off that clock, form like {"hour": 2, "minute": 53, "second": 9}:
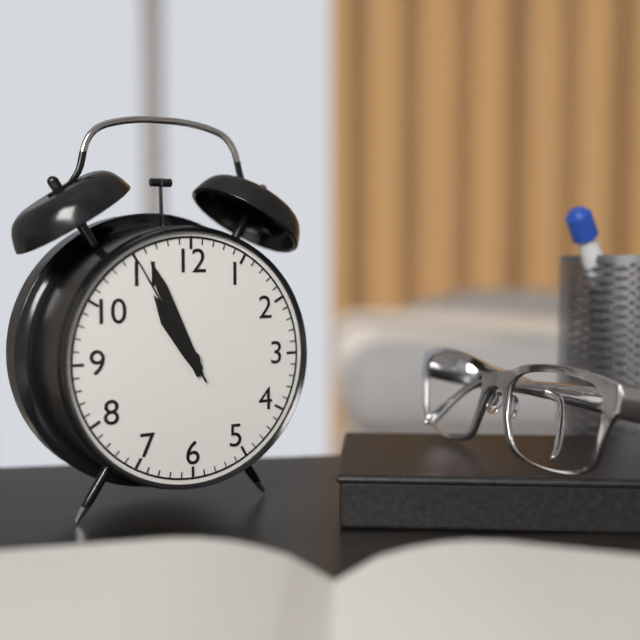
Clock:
{"hour": 10, "minute": 56, "second": 55}
